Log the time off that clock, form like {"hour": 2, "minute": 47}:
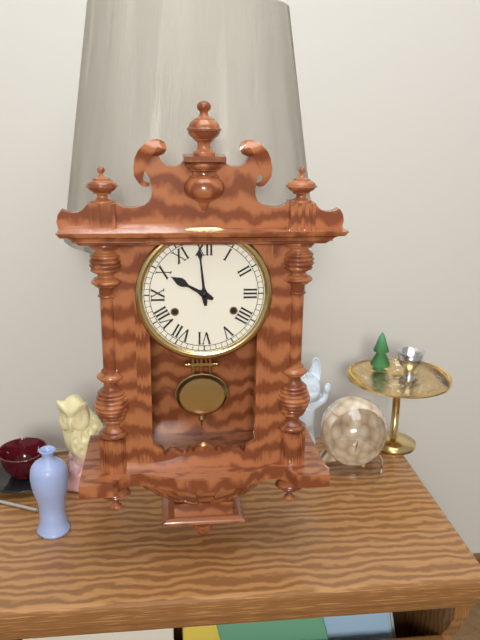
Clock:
{"hour": 9, "minute": 59}
